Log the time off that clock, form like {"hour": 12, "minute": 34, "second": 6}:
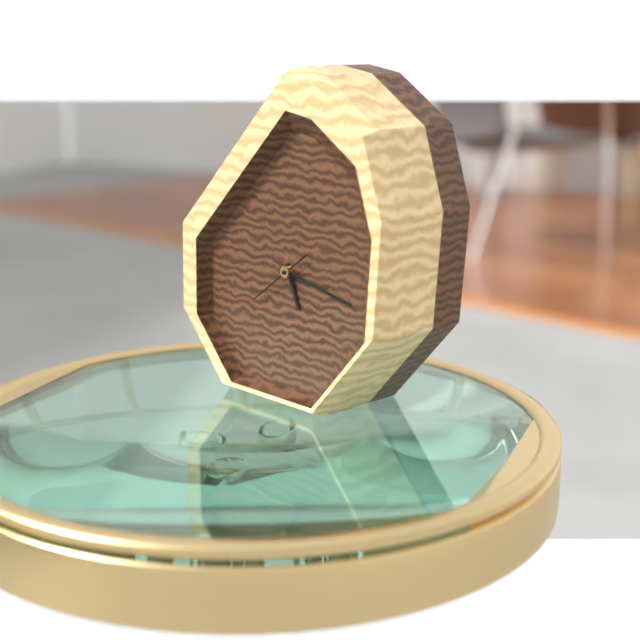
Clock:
{"hour": 5, "minute": 17, "second": 39}
